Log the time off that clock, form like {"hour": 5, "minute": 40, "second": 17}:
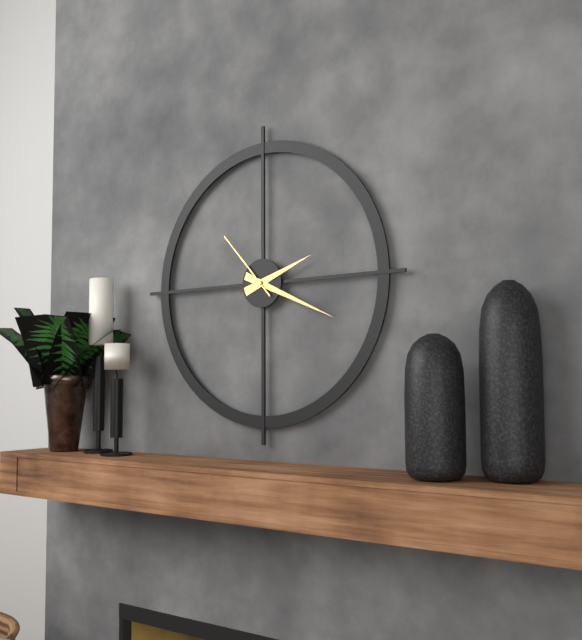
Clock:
{"hour": 2, "minute": 19, "second": 53}
